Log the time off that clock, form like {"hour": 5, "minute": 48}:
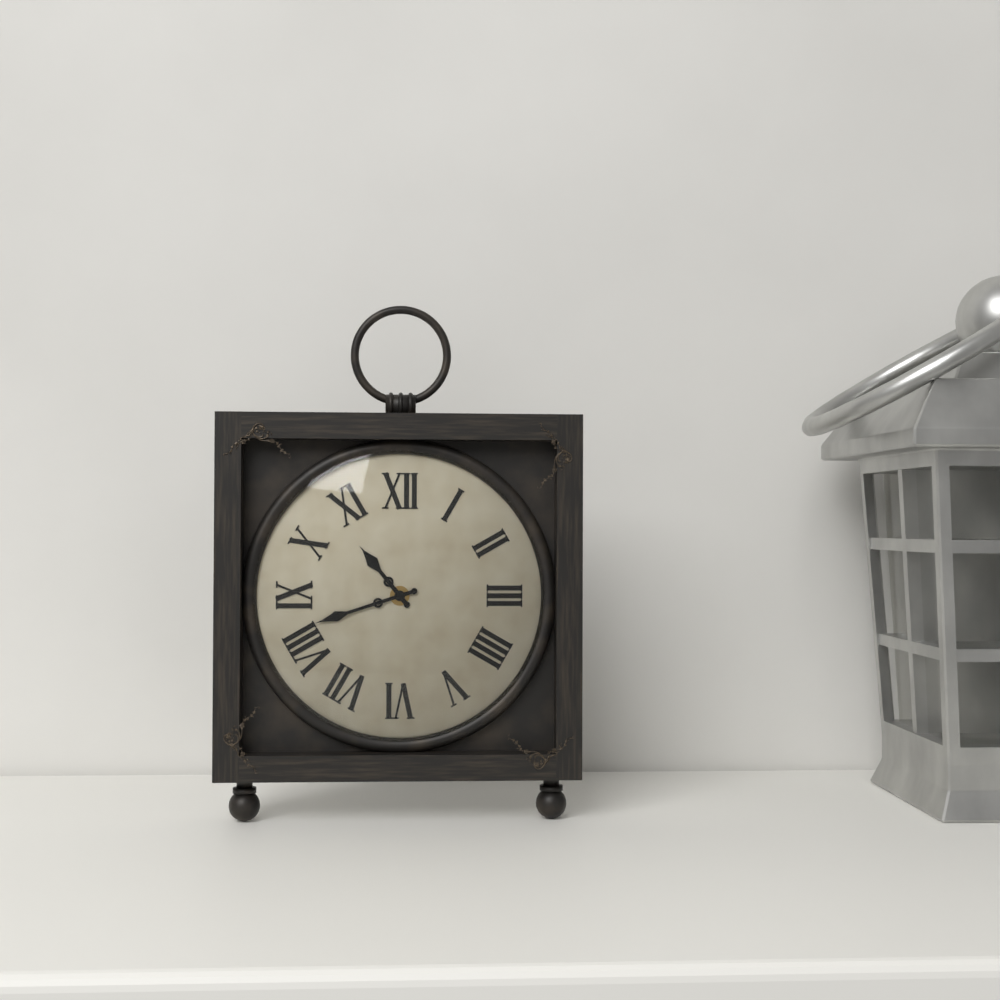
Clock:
{"hour": 10, "minute": 42}
